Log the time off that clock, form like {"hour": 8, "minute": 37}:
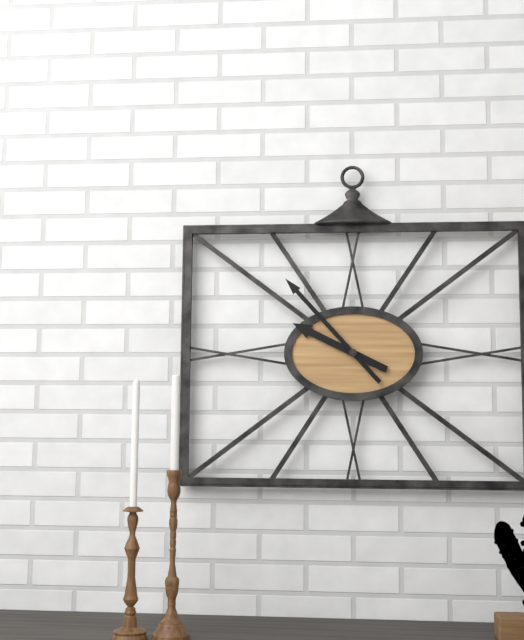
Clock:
{"hour": 9, "minute": 53}
